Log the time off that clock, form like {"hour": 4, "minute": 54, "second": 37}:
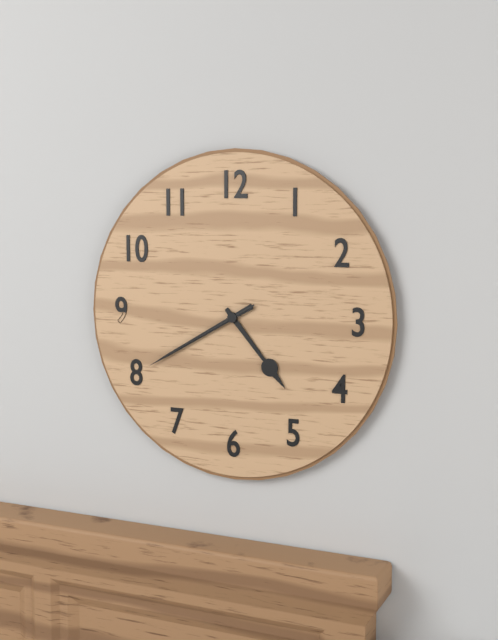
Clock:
{"hour": 4, "minute": 40, "second": 40}
